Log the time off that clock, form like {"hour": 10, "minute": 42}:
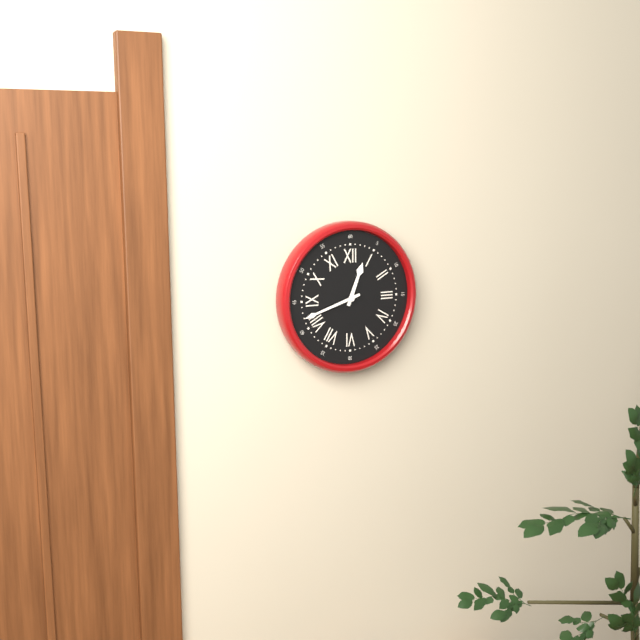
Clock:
{"hour": 12, "minute": 42}
